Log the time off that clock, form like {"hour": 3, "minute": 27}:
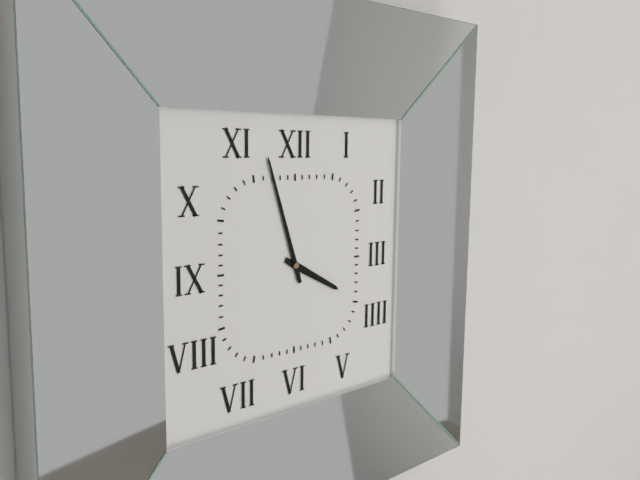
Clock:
{"hour": 3, "minute": 57}
